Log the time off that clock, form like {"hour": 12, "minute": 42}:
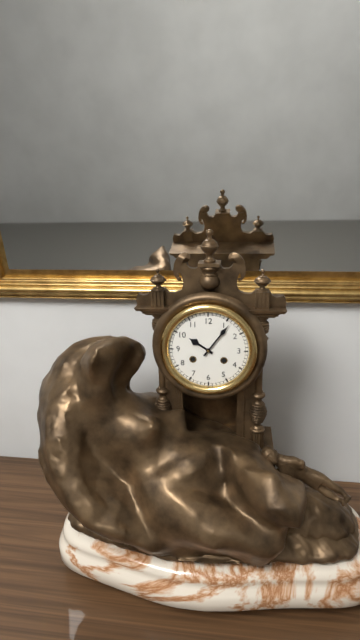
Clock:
{"hour": 10, "minute": 6}
